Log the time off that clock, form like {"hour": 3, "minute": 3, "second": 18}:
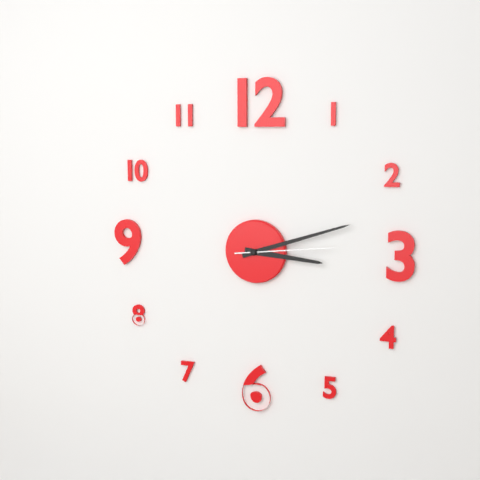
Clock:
{"hour": 3, "minute": 12, "second": 14}
